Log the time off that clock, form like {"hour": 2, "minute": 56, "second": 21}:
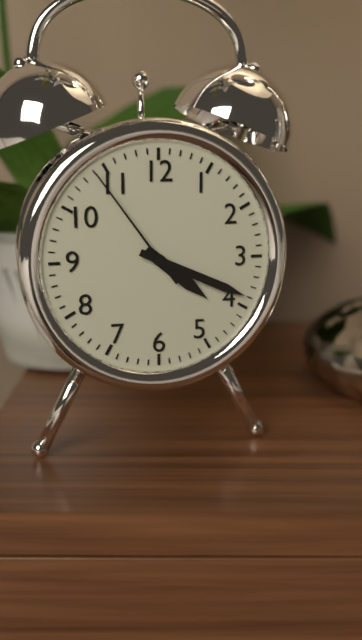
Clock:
{"hour": 4, "minute": 19, "second": 54}
